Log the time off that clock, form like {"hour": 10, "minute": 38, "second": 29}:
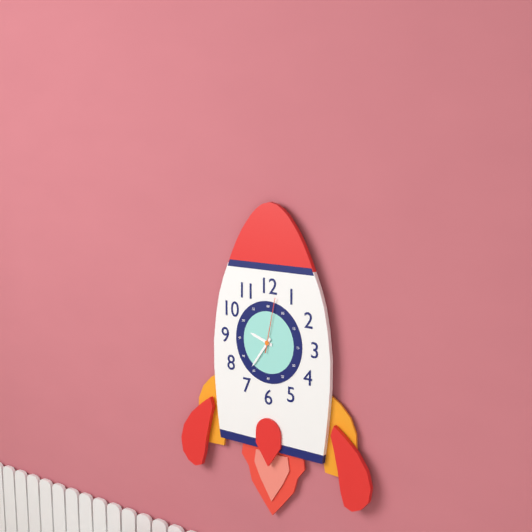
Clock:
{"hour": 9, "minute": 36, "second": 2}
